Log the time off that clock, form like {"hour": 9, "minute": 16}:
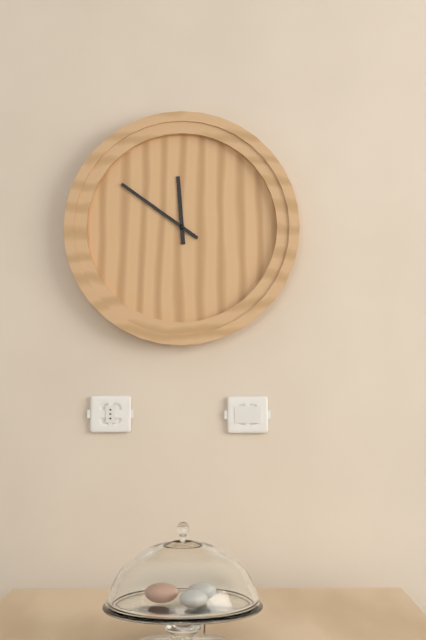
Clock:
{"hour": 11, "minute": 51}
